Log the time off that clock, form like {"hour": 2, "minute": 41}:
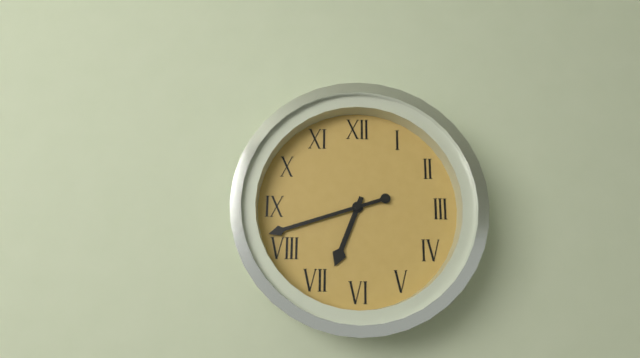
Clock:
{"hour": 6, "minute": 42}
